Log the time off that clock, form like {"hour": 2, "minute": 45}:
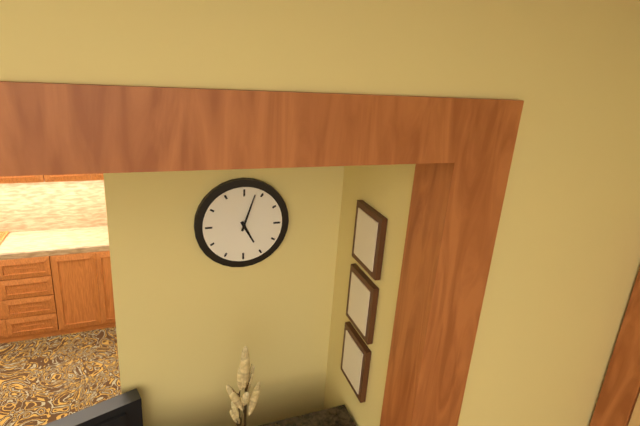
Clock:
{"hour": 5, "minute": 3}
